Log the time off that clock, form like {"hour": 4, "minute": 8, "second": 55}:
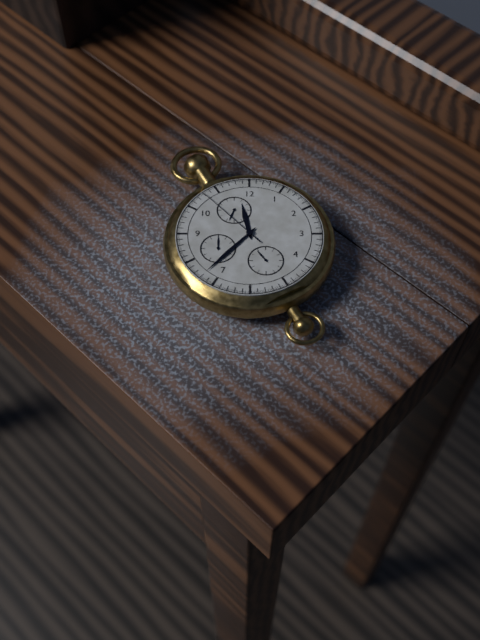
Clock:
{"hour": 11, "minute": 37, "second": 53}
